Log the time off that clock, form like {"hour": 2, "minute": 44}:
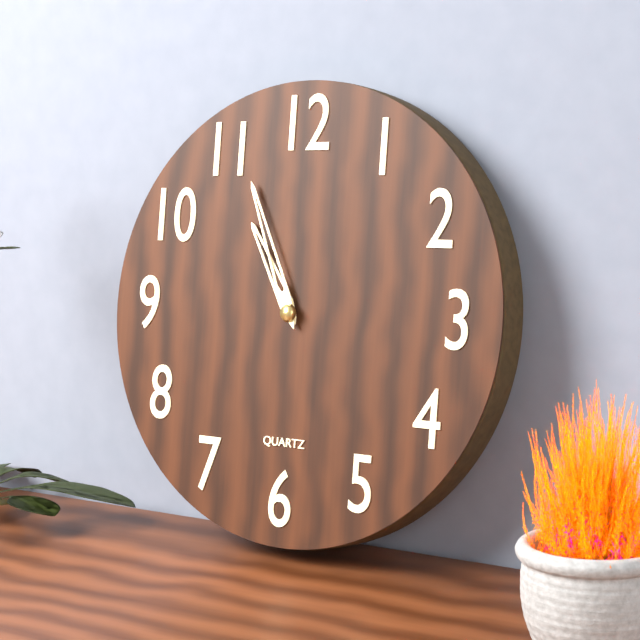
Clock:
{"hour": 10, "minute": 56}
